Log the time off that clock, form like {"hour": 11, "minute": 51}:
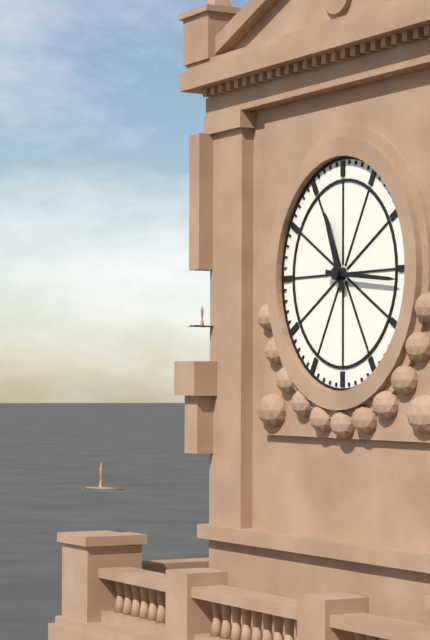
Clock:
{"hour": 11, "minute": 16}
